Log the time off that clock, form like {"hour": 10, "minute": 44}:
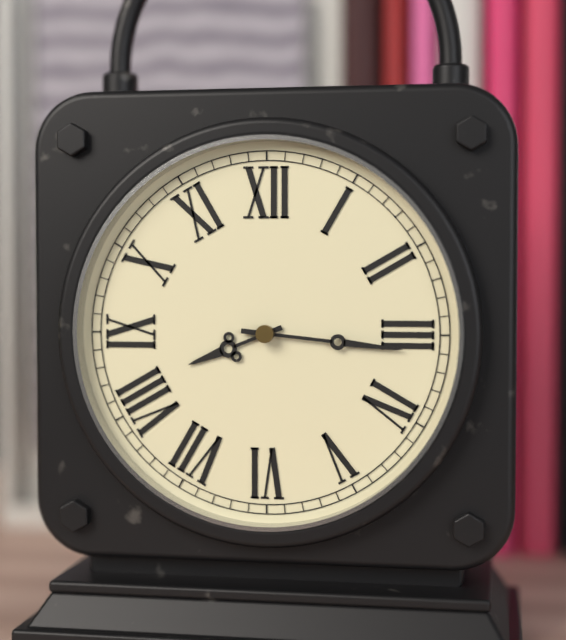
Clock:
{"hour": 8, "minute": 16}
